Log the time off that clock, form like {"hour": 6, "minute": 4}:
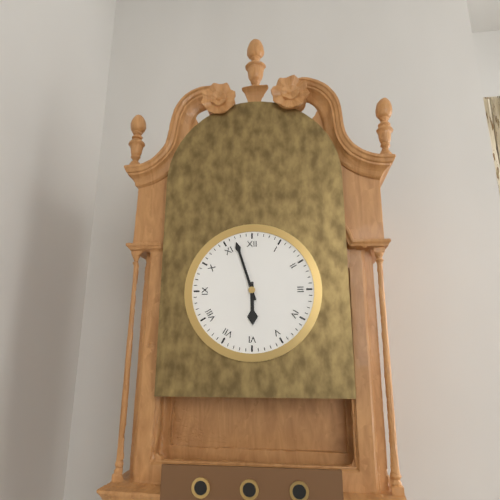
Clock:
{"hour": 5, "minute": 57}
